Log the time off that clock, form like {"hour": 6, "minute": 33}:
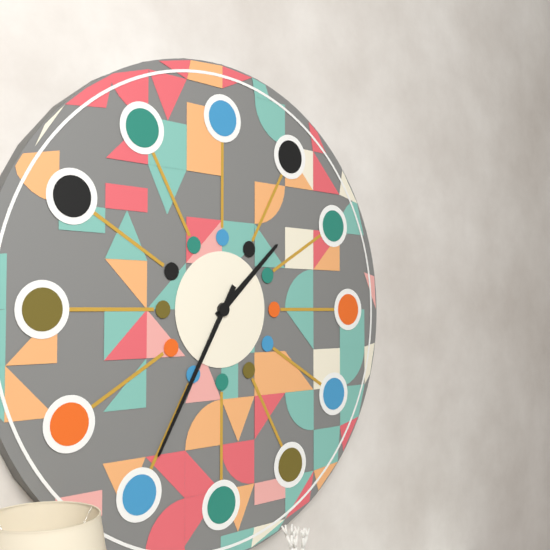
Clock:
{"hour": 1, "minute": 35}
